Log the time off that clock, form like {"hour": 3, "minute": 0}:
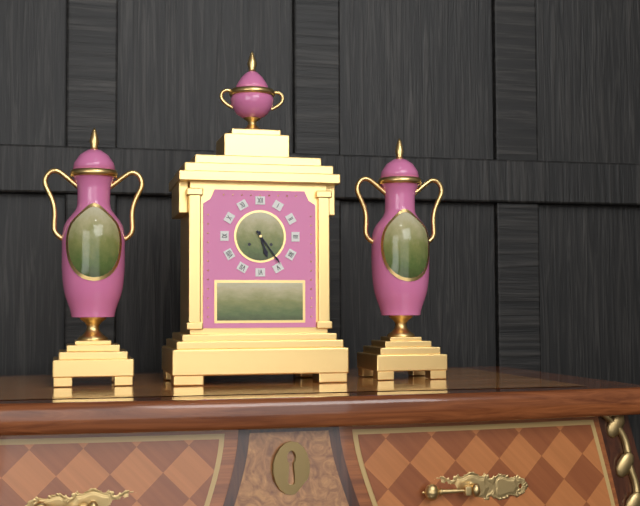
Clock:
{"hour": 5, "minute": 24}
